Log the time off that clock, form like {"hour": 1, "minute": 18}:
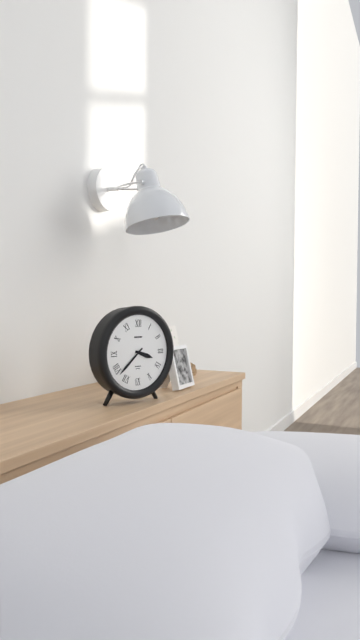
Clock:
{"hour": 3, "minute": 38}
